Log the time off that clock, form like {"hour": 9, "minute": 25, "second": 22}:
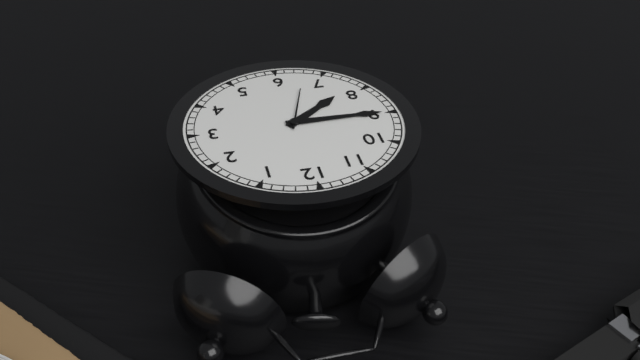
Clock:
{"hour": 7, "minute": 45, "second": 33}
